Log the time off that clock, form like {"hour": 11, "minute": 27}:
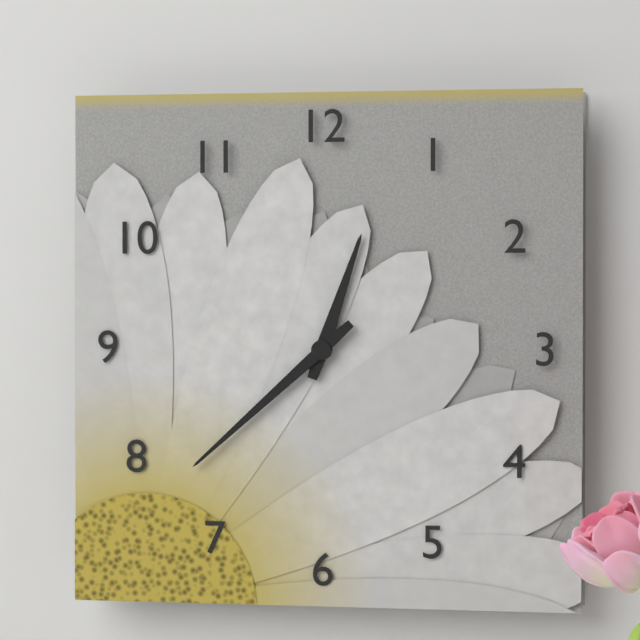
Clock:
{"hour": 12, "minute": 38}
